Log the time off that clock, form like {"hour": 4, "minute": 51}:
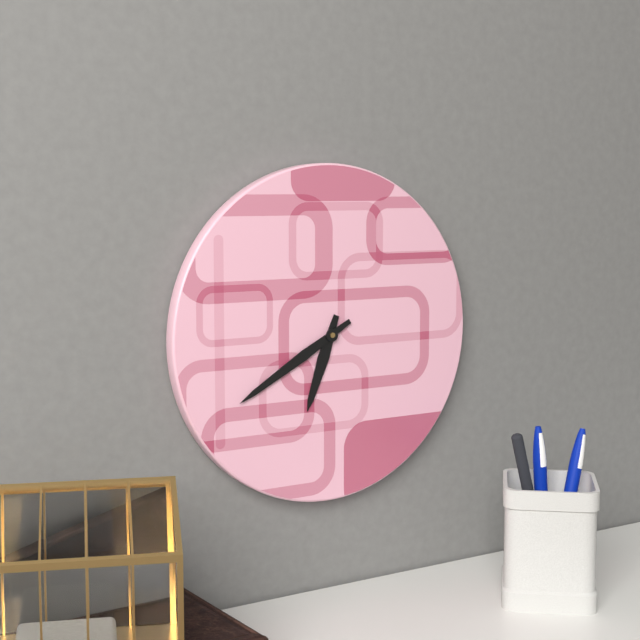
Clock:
{"hour": 6, "minute": 40}
